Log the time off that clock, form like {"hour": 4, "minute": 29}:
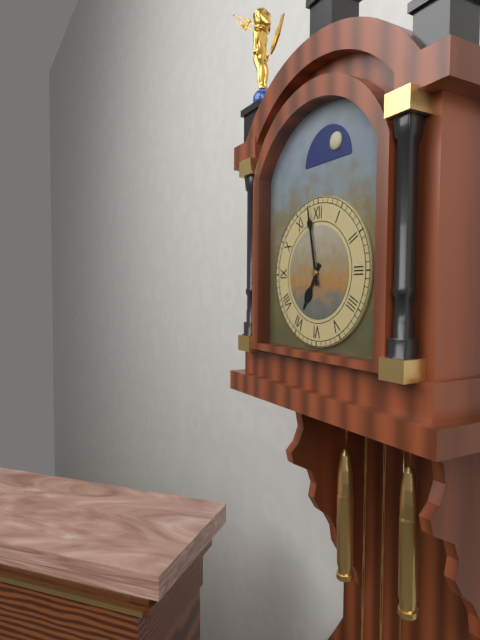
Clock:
{"hour": 6, "minute": 58}
